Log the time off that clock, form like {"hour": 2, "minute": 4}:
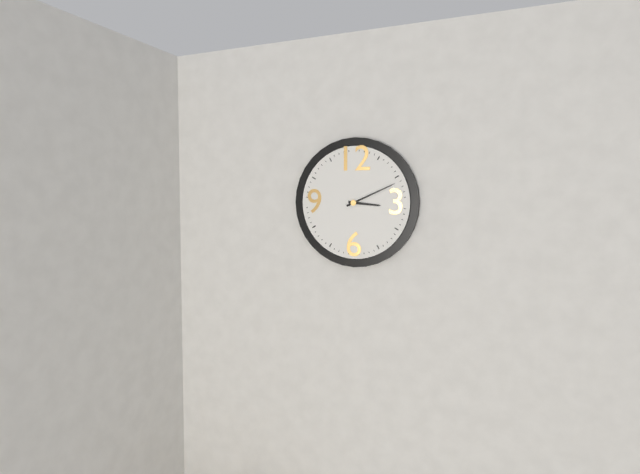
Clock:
{"hour": 3, "minute": 11}
